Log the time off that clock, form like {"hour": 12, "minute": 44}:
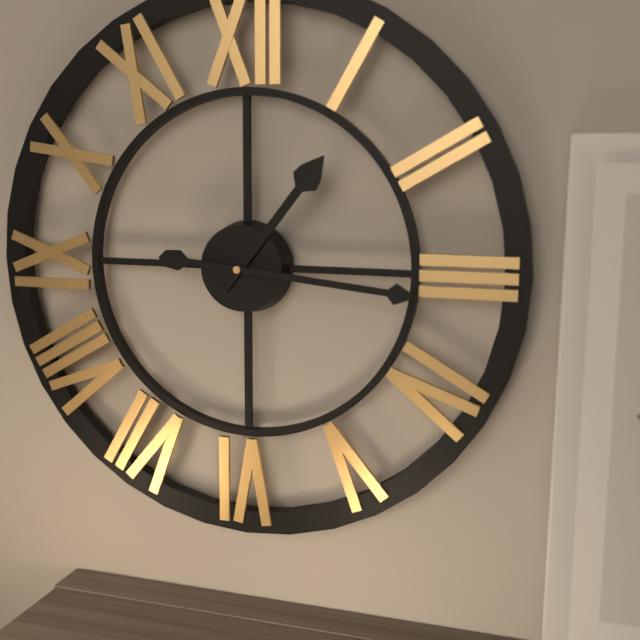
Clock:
{"hour": 1, "minute": 16}
